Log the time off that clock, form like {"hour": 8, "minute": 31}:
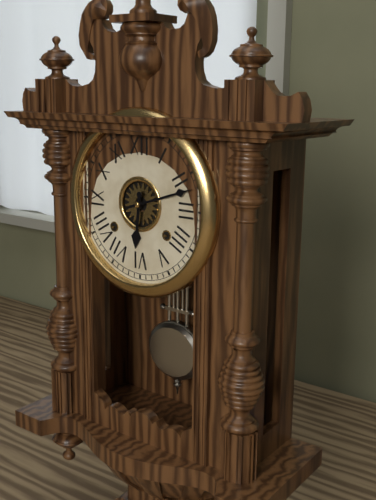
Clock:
{"hour": 6, "minute": 12}
